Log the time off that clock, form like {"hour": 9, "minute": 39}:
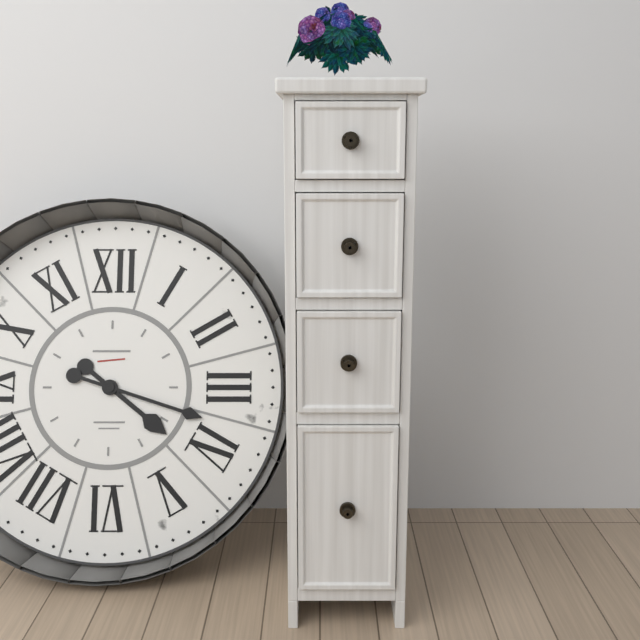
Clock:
{"hour": 4, "minute": 18}
